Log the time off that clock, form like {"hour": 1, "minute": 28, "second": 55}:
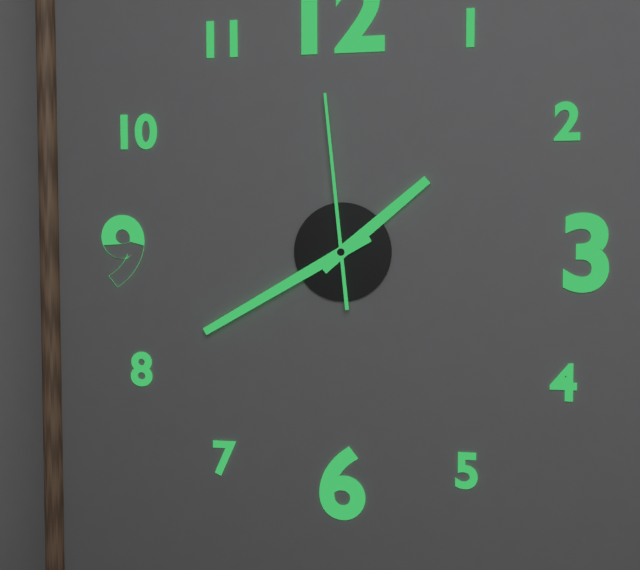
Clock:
{"hour": 1, "minute": 40, "second": 59}
